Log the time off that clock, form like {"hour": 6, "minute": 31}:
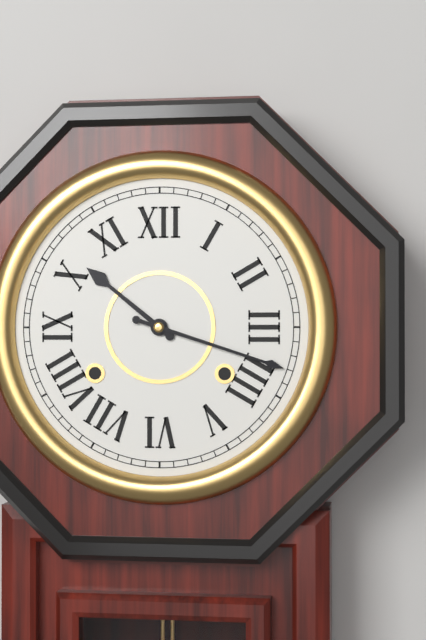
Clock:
{"hour": 10, "minute": 18}
